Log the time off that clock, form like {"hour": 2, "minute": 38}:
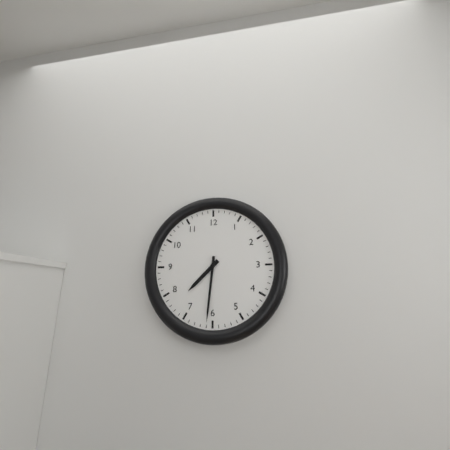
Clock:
{"hour": 7, "minute": 31}
